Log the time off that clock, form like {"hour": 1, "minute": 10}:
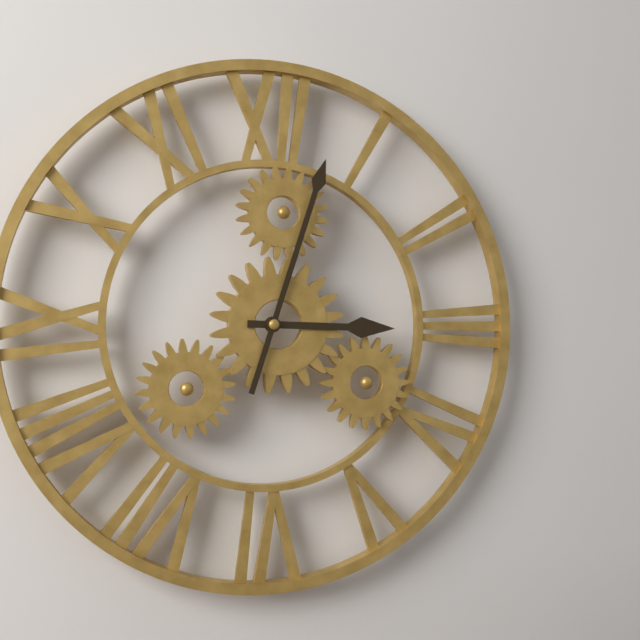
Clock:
{"hour": 3, "minute": 3}
